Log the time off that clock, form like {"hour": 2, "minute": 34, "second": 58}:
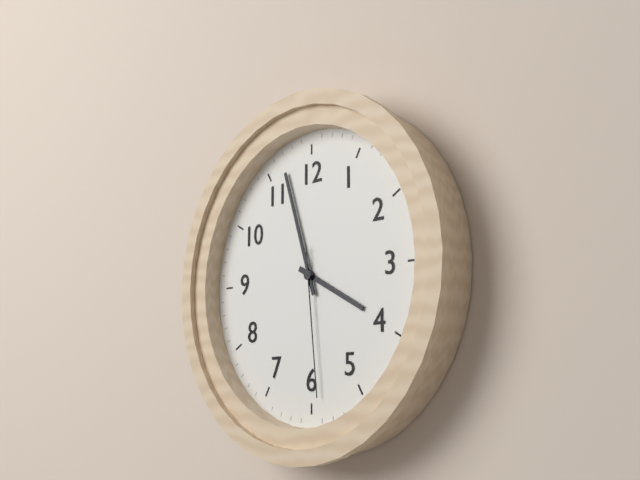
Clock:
{"hour": 3, "minute": 57, "second": 29}
